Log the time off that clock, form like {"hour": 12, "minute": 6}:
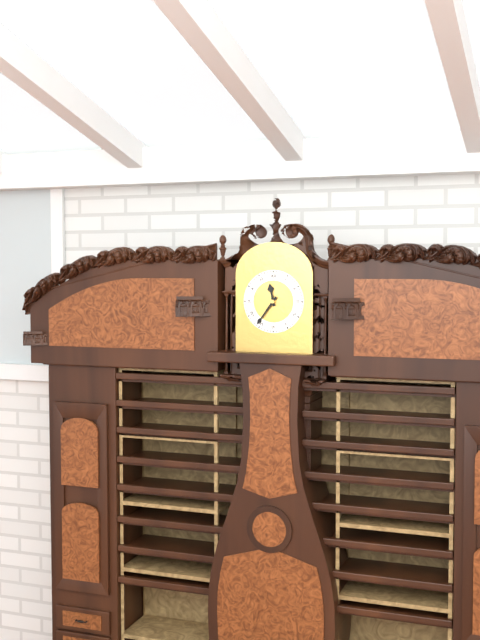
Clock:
{"hour": 11, "minute": 36}
